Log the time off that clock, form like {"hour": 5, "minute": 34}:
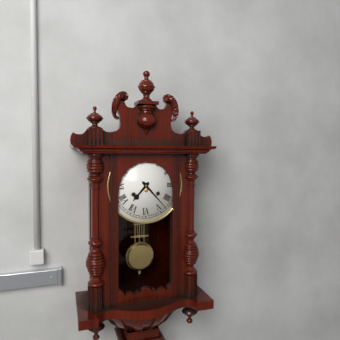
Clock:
{"hour": 7, "minute": 23}
